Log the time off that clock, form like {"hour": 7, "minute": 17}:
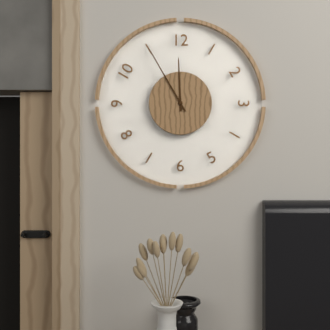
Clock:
{"hour": 11, "minute": 55}
